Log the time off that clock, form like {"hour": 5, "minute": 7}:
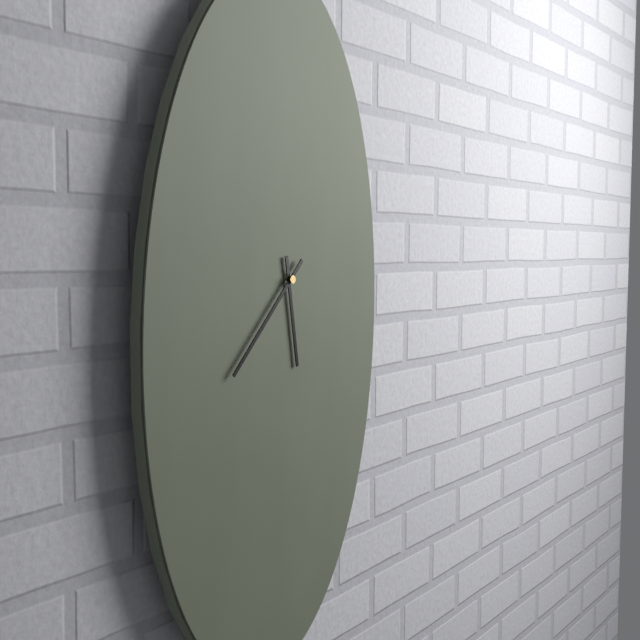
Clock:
{"hour": 5, "minute": 37}
